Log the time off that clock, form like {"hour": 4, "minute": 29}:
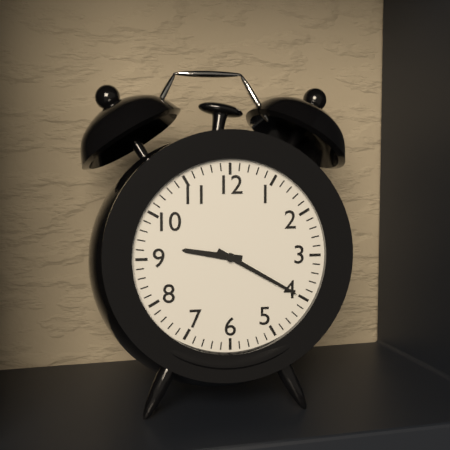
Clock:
{"hour": 9, "minute": 20}
